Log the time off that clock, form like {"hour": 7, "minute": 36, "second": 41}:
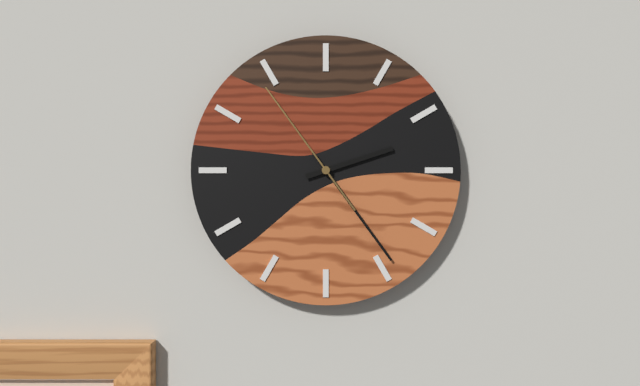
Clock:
{"hour": 2, "minute": 24, "second": 54}
